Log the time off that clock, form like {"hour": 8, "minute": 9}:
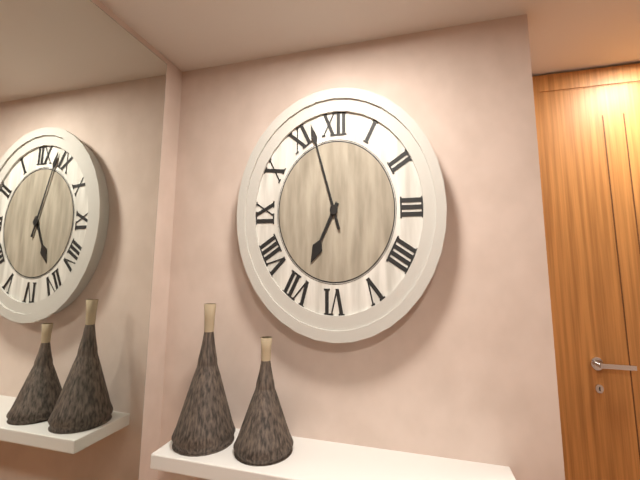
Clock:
{"hour": 6, "minute": 57}
